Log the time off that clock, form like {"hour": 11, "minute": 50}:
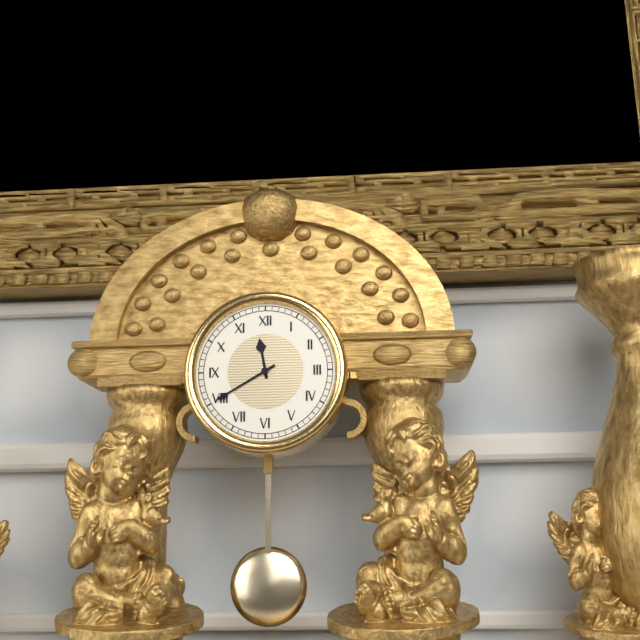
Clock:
{"hour": 11, "minute": 40}
